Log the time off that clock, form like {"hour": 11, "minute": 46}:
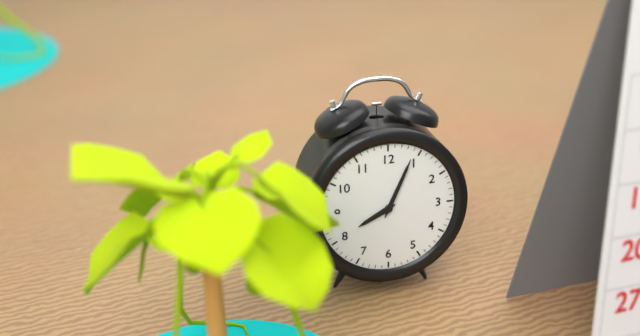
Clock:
{"hour": 8, "minute": 4}
